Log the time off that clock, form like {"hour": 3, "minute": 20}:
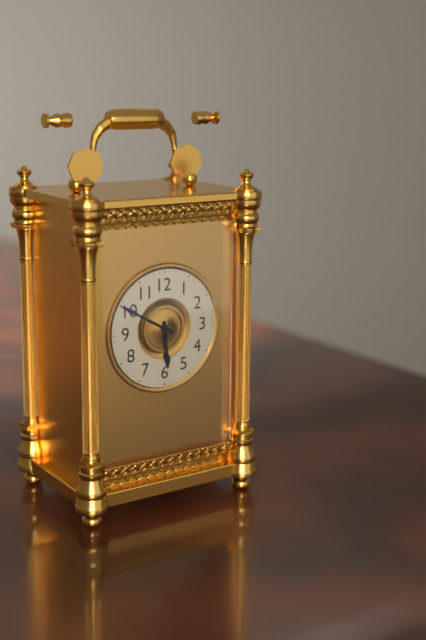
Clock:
{"hour": 5, "minute": 50}
